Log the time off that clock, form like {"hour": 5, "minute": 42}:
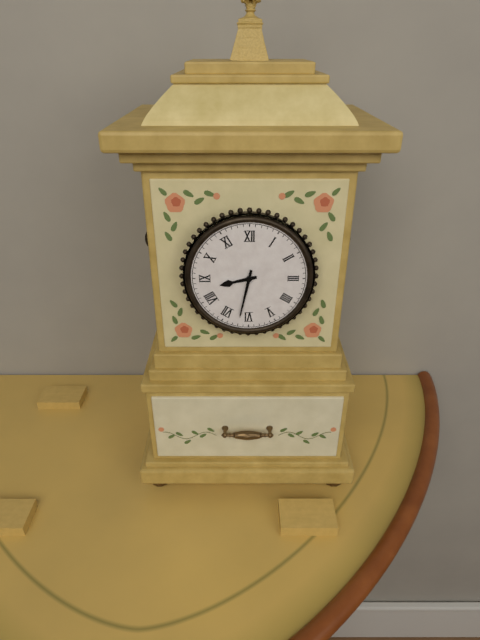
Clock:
{"hour": 8, "minute": 32}
